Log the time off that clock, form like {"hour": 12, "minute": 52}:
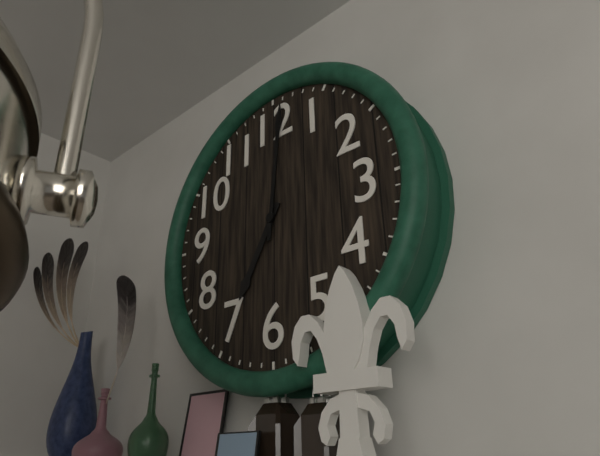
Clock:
{"hour": 7, "minute": 1}
